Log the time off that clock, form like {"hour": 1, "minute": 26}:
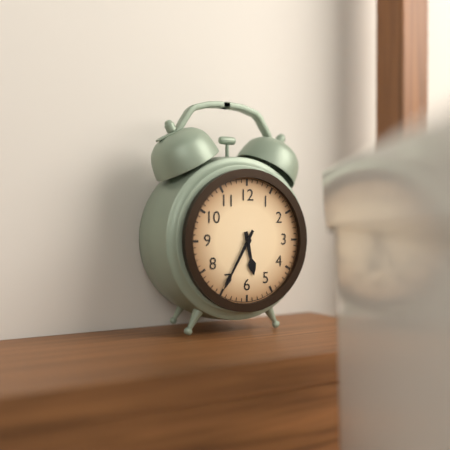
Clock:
{"hour": 5, "minute": 35}
